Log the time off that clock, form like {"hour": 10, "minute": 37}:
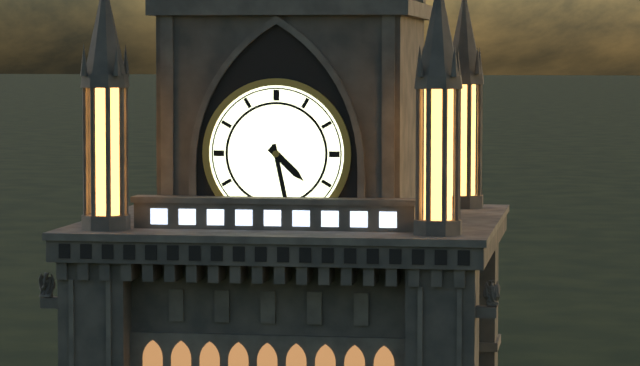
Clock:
{"hour": 4, "minute": 28}
